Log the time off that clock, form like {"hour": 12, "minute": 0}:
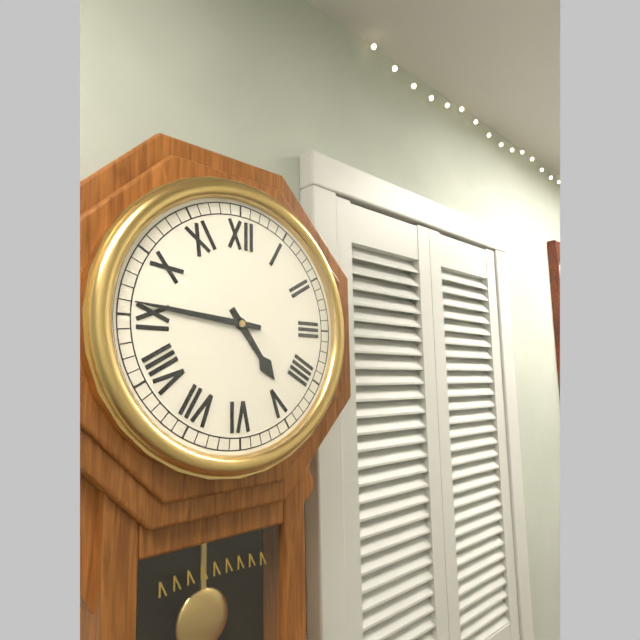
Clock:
{"hour": 4, "minute": 46}
